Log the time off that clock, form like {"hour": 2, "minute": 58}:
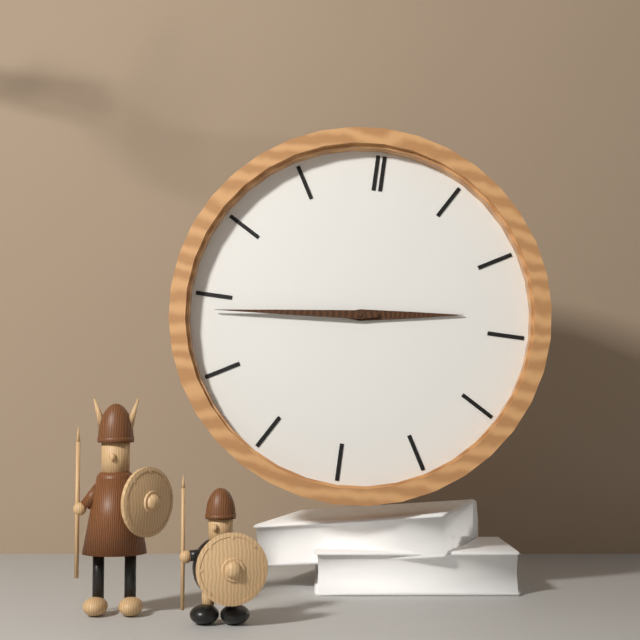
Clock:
{"hour": 2, "minute": 44}
